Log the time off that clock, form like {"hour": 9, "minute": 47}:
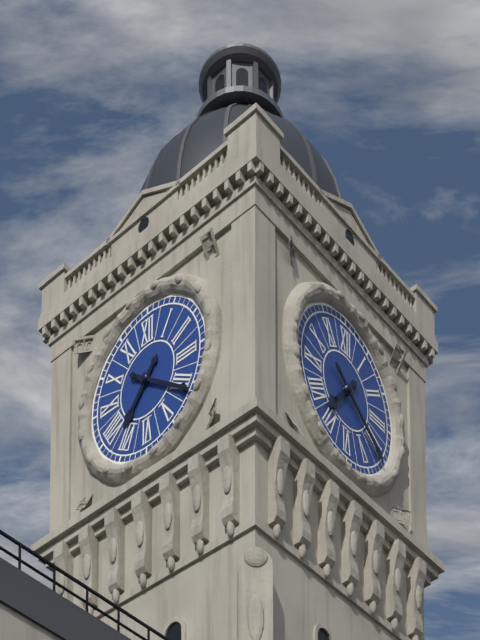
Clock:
{"hour": 7, "minute": 21}
